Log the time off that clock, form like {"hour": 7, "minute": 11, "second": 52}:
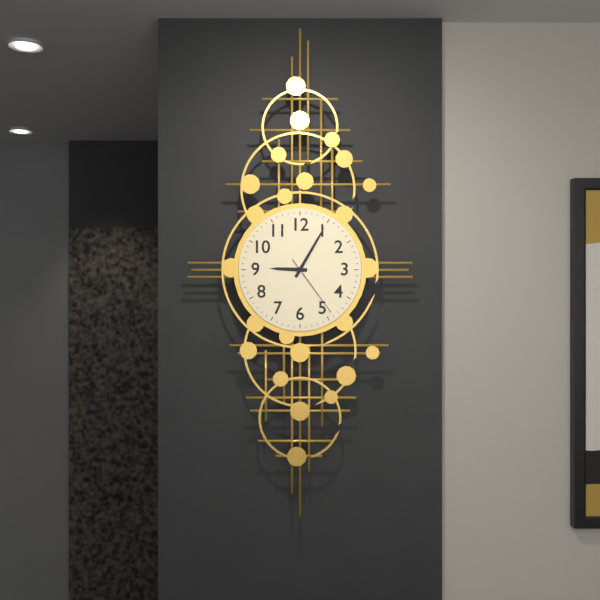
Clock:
{"hour": 9, "minute": 5, "second": 24}
